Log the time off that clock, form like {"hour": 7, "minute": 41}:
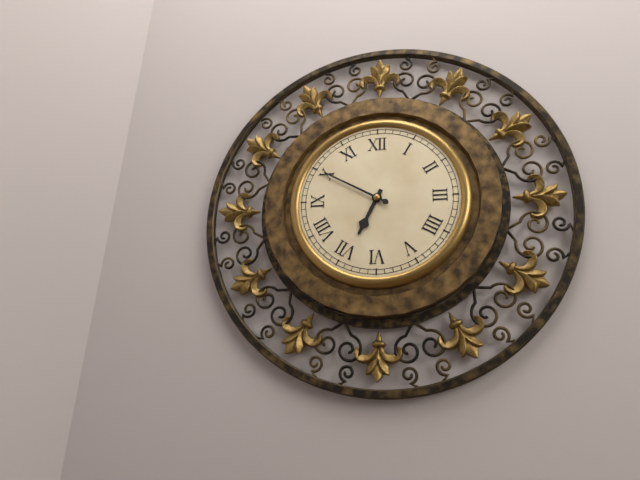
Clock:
{"hour": 6, "minute": 50}
